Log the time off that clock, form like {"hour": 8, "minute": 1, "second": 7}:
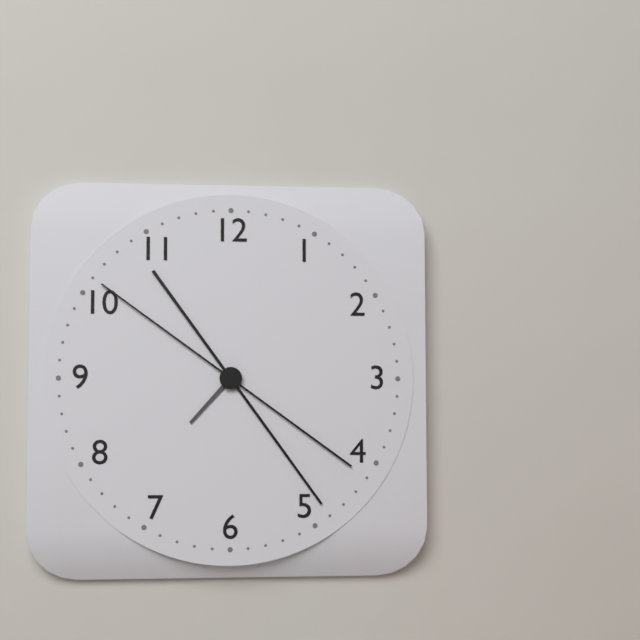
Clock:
{"hour": 7, "minute": 24, "second": 51}
